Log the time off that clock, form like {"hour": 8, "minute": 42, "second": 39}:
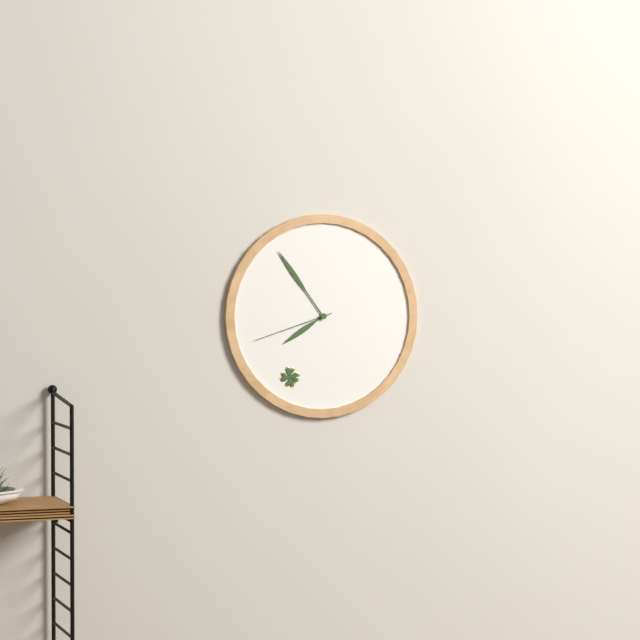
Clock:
{"hour": 7, "minute": 54, "second": 42}
